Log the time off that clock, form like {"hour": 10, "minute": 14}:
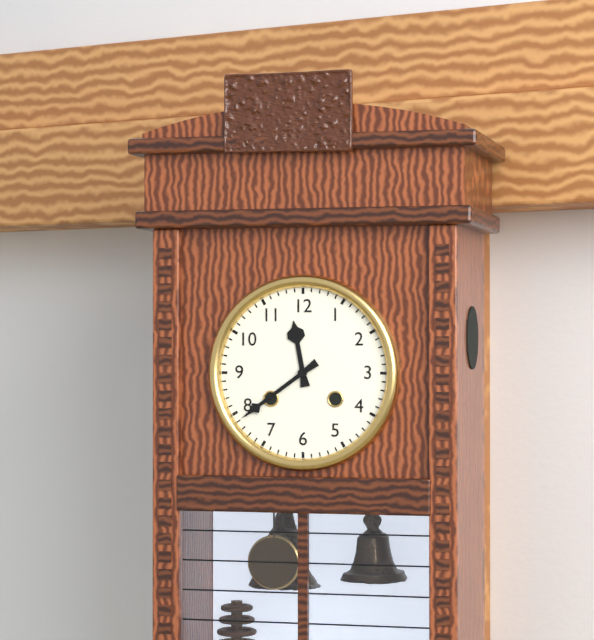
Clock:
{"hour": 11, "minute": 39}
